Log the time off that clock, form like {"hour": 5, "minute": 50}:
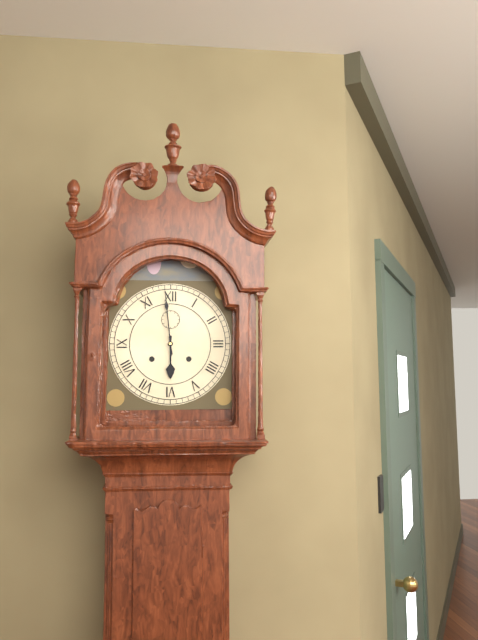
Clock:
{"hour": 5, "minute": 59}
